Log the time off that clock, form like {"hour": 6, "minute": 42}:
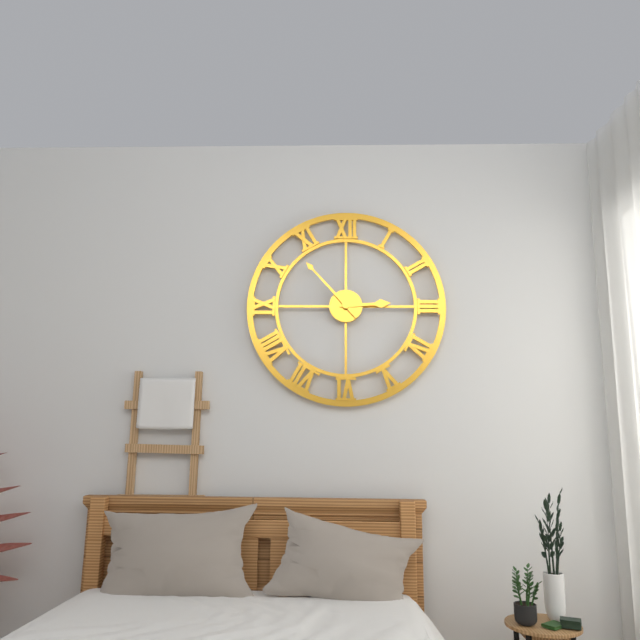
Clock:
{"hour": 2, "minute": 53}
